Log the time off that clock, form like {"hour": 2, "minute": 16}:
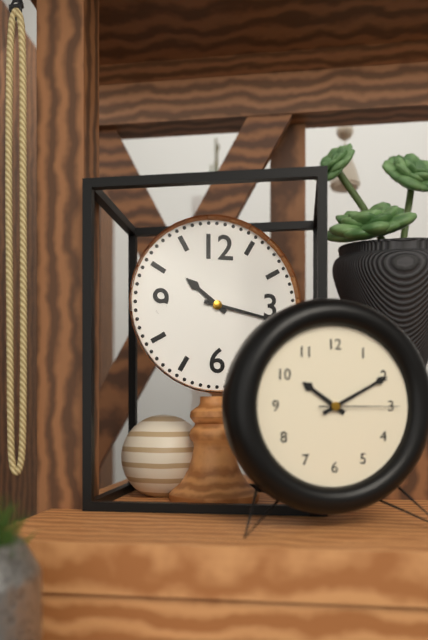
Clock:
{"hour": 10, "minute": 17}
